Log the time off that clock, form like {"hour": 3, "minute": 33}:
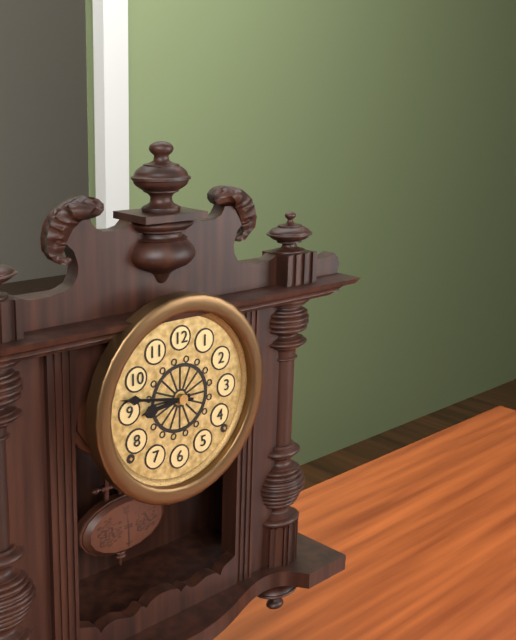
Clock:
{"hour": 8, "minute": 47}
